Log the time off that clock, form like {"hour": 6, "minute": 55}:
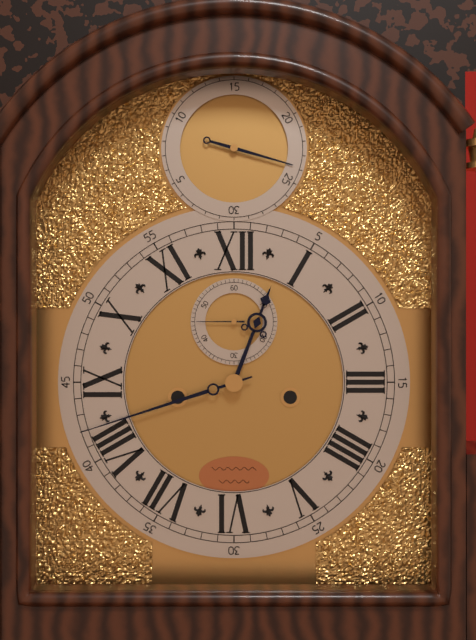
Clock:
{"hour": 12, "minute": 42}
